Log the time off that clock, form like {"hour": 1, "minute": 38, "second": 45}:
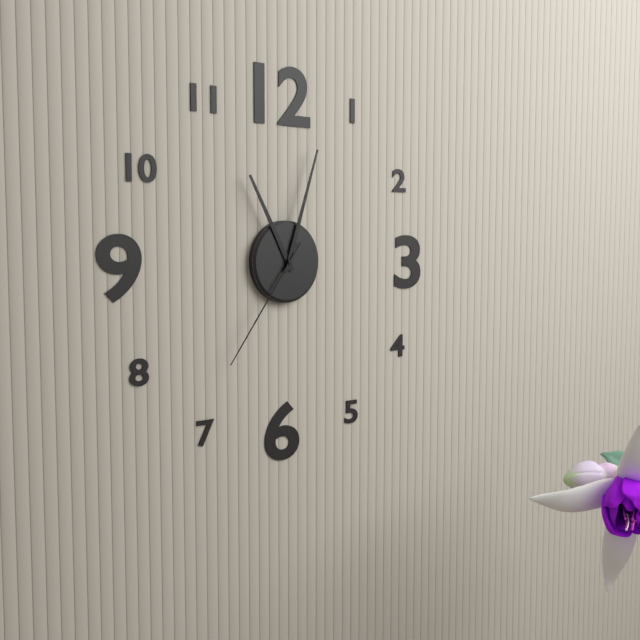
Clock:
{"hour": 11, "minute": 3, "second": 36}
